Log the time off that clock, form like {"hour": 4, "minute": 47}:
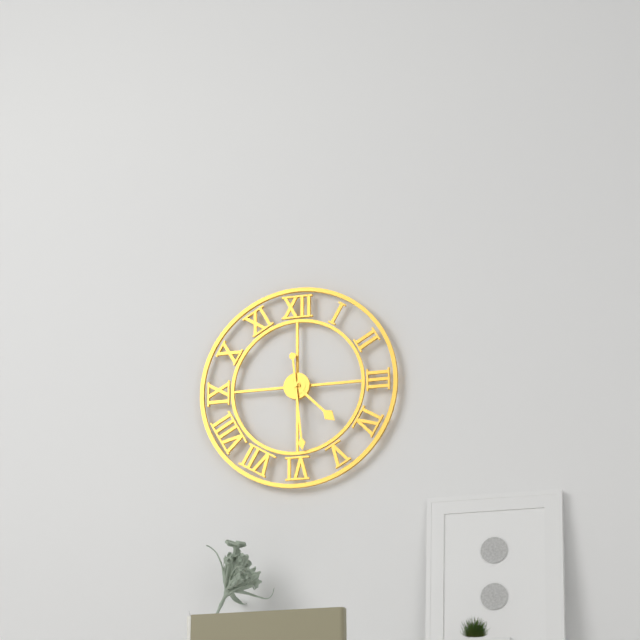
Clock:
{"hour": 4, "minute": 29}
